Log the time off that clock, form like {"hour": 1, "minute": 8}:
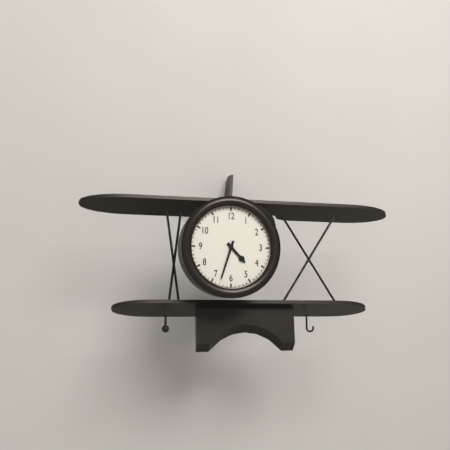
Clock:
{"hour": 4, "minute": 33}
